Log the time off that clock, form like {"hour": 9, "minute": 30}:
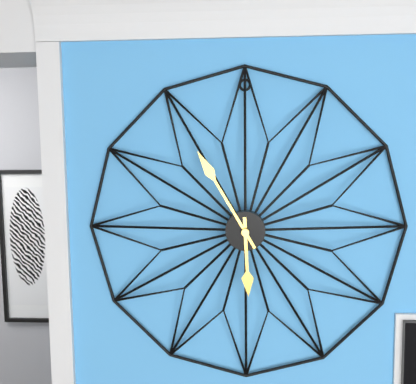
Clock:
{"hour": 5, "minute": 55}
